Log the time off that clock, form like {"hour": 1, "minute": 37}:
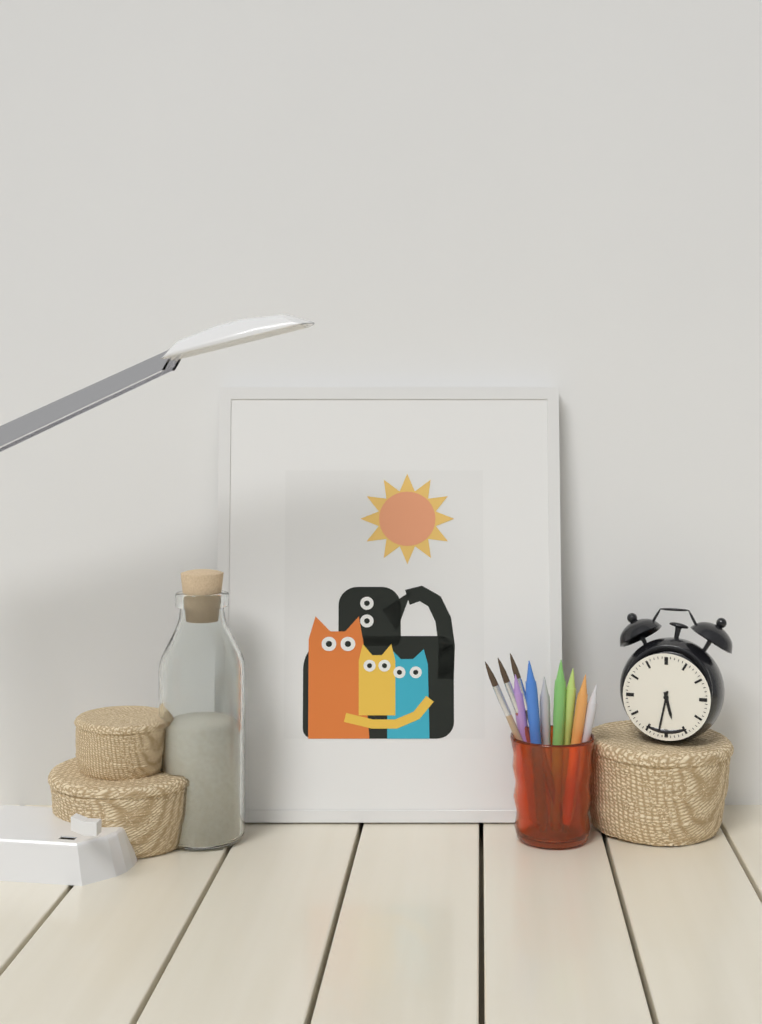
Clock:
{"hour": 5, "minute": 32}
